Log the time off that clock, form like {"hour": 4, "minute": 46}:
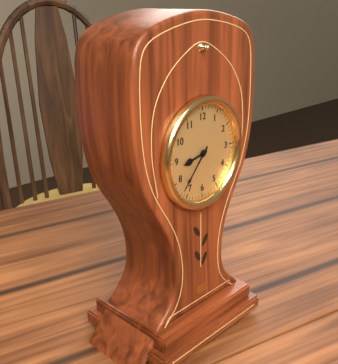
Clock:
{"hour": 8, "minute": 37}
